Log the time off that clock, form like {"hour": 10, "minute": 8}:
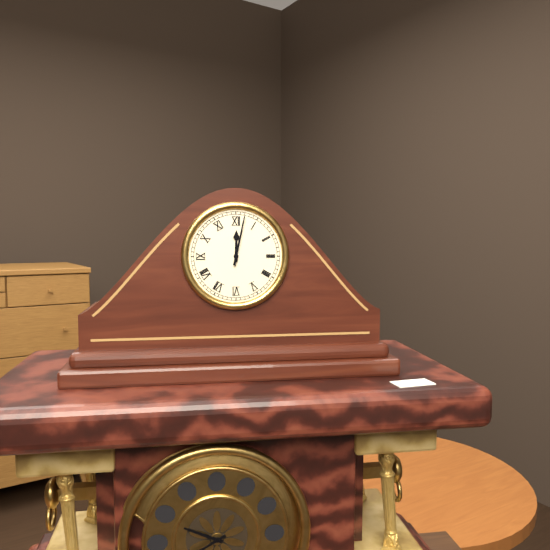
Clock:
{"hour": 12, "minute": 2}
